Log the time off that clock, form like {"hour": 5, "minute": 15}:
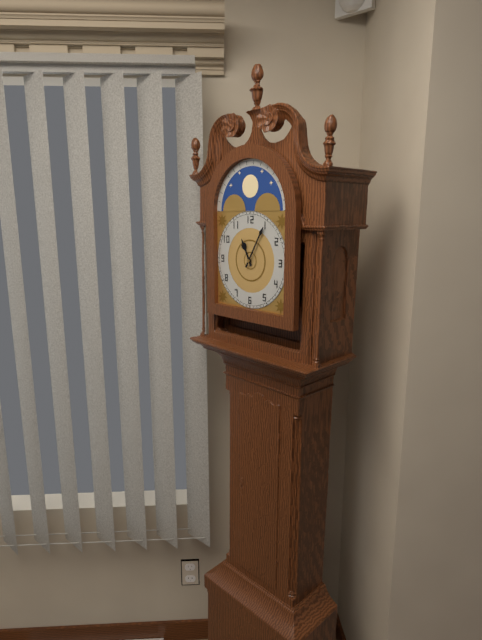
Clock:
{"hour": 11, "minute": 5}
